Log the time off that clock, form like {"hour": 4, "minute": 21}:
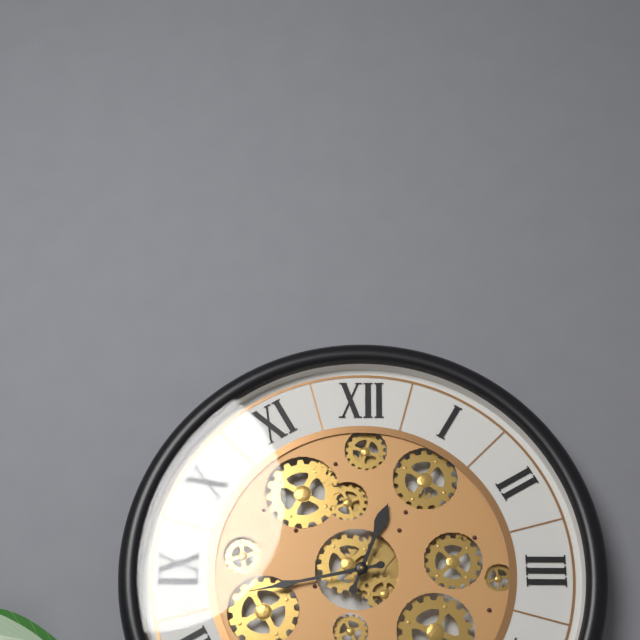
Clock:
{"hour": 12, "minute": 43}
